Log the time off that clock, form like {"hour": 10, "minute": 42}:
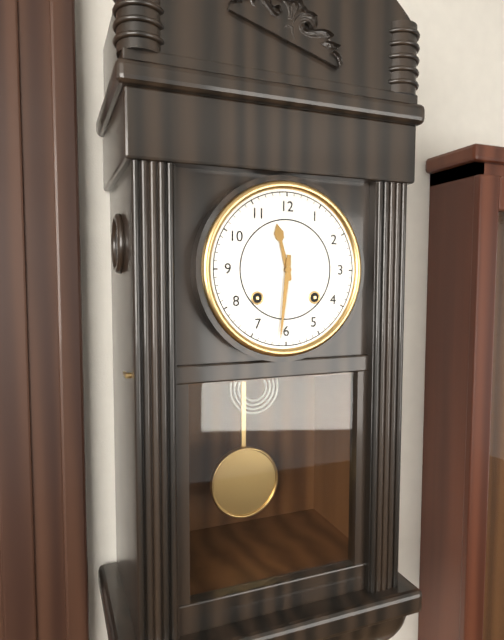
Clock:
{"hour": 11, "minute": 31}
